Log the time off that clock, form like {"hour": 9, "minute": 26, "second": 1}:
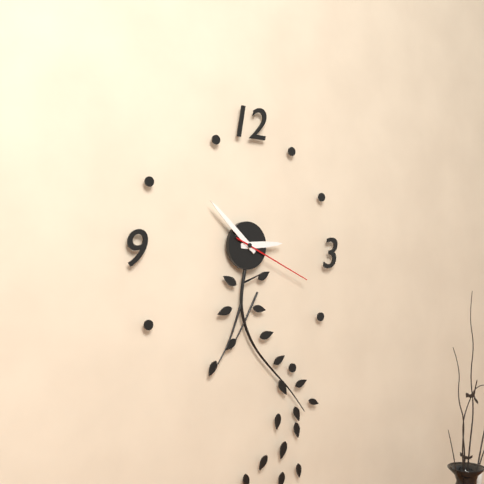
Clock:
{"hour": 2, "minute": 52, "second": 19}
